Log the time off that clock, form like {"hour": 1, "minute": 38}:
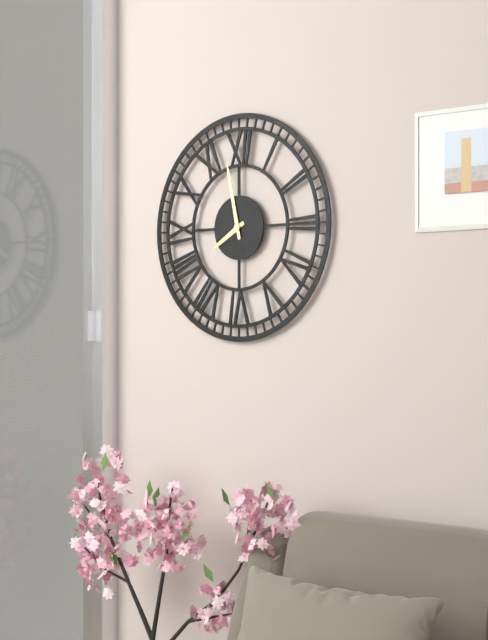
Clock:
{"hour": 7, "minute": 58}
